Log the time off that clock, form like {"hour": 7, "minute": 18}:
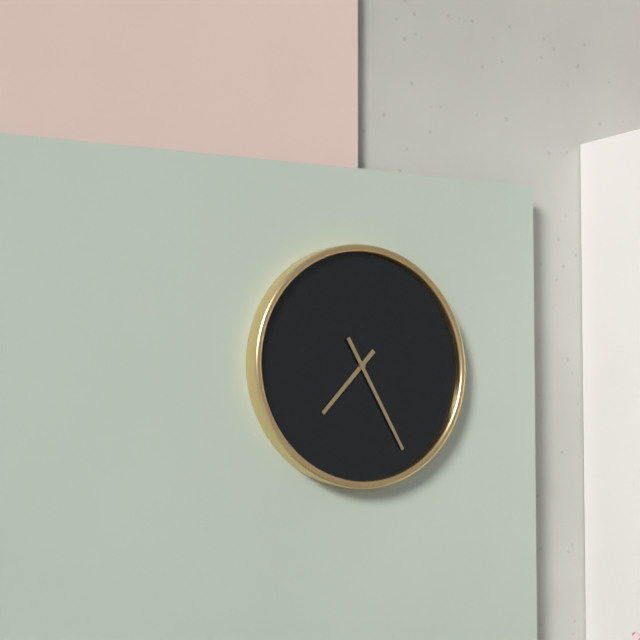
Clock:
{"hour": 7, "minute": 25}
